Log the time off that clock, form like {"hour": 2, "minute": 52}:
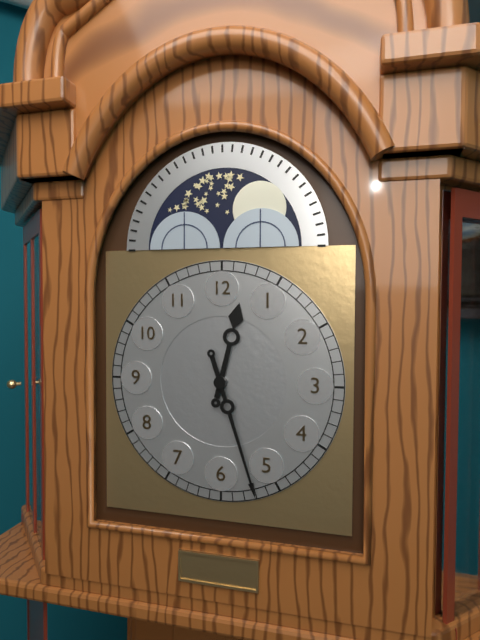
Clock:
{"hour": 12, "minute": 27}
